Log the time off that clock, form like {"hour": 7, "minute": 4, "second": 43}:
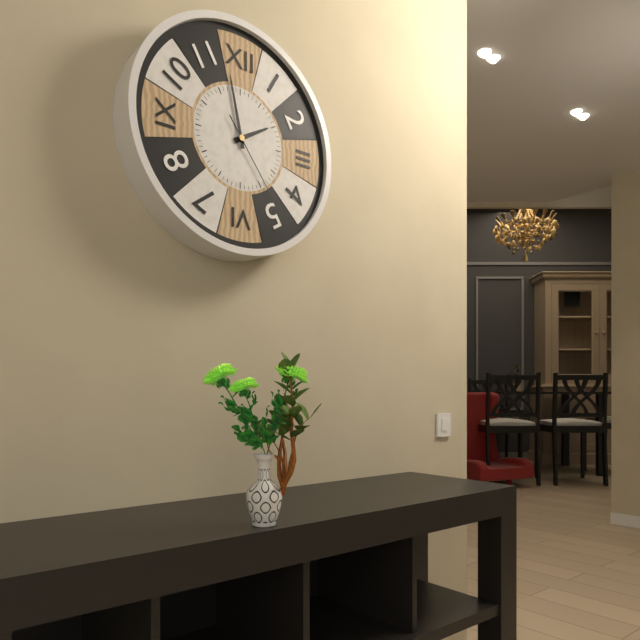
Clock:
{"hour": 1, "minute": 58, "second": 24}
